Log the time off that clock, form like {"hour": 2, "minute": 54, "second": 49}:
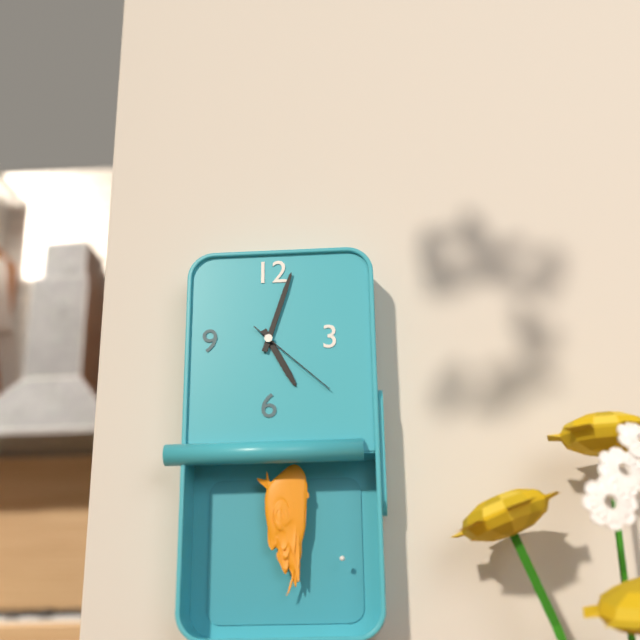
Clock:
{"hour": 5, "minute": 3, "second": 22}
